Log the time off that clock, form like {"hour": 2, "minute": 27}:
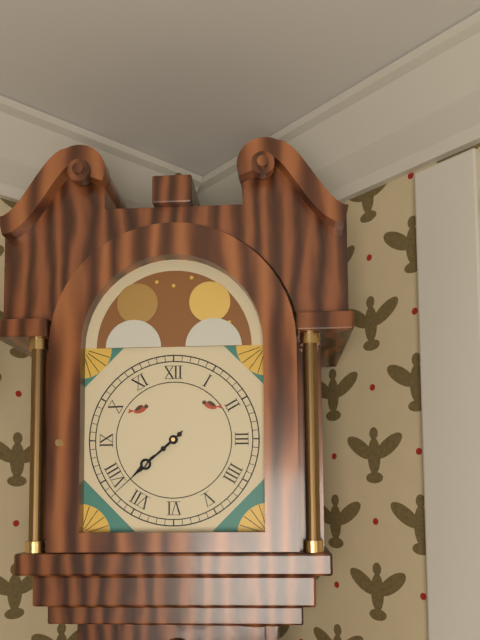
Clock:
{"hour": 7, "minute": 38}
